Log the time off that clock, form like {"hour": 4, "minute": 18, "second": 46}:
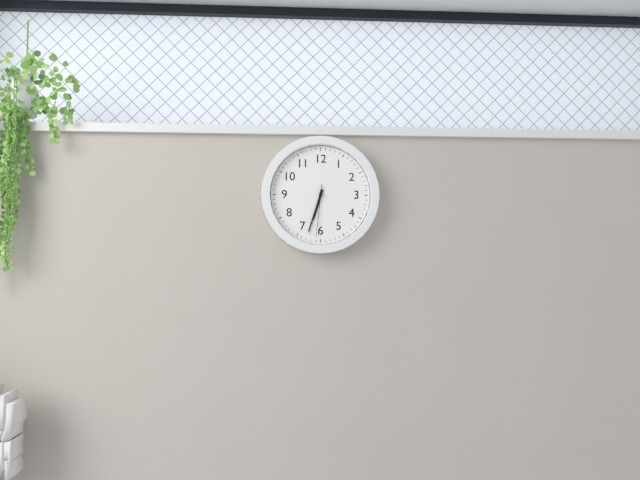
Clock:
{"hour": 6, "minute": 33, "second": 31}
